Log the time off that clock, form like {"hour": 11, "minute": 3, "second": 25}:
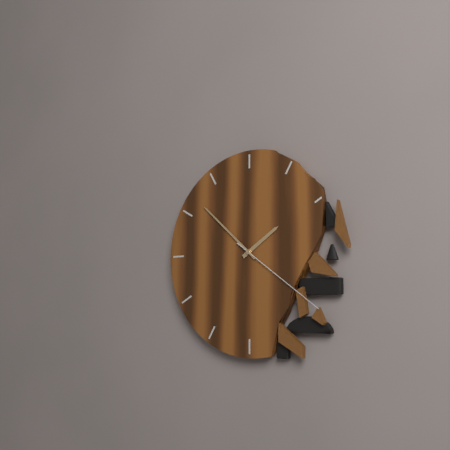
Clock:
{"hour": 1, "minute": 52, "second": 21}
